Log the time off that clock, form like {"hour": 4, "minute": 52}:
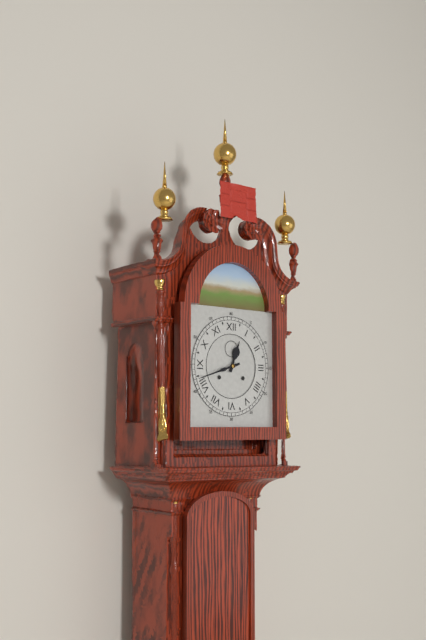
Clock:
{"hour": 12, "minute": 42}
